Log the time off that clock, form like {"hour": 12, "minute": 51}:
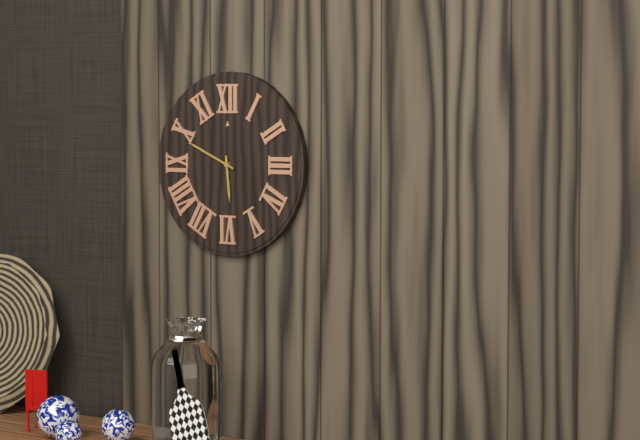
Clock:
{"hour": 5, "minute": 49}
